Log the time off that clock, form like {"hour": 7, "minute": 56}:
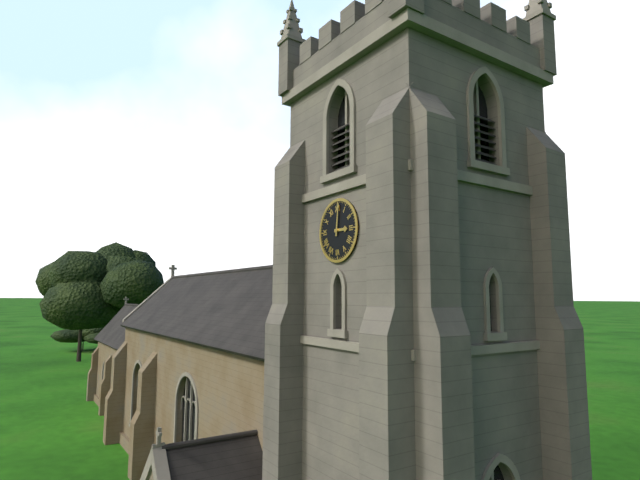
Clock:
{"hour": 3, "minute": 1}
